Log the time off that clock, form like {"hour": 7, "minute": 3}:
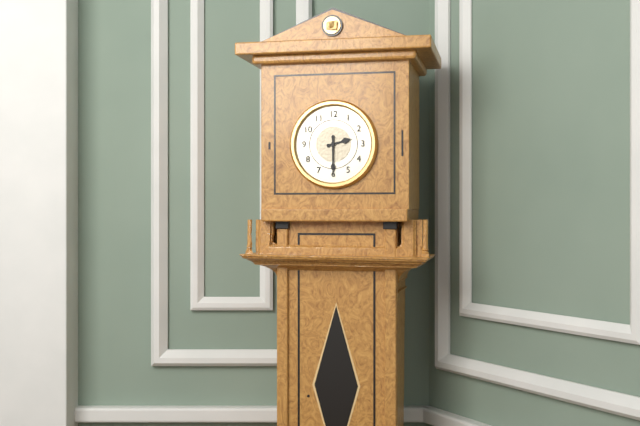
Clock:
{"hour": 2, "minute": 30}
